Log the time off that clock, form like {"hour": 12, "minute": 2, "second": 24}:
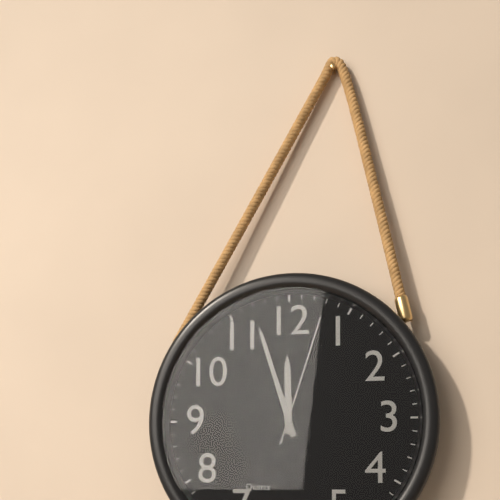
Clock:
{"hour": 11, "minute": 57, "second": 3}
